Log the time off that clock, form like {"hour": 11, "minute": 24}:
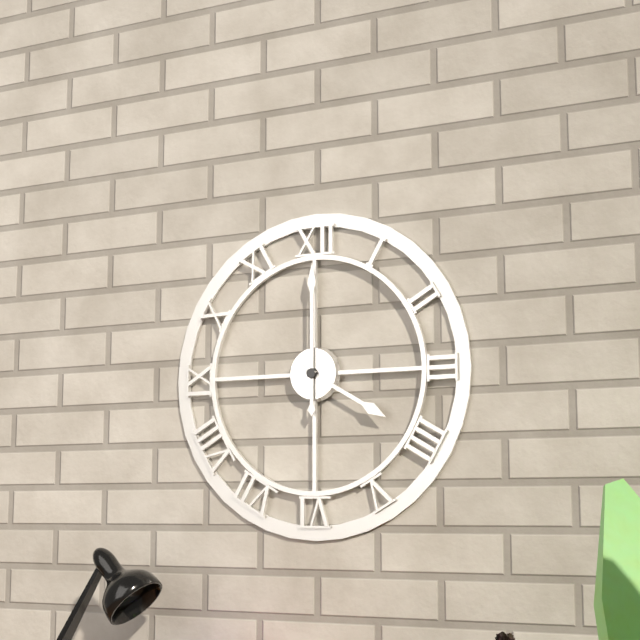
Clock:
{"hour": 4, "minute": 0}
